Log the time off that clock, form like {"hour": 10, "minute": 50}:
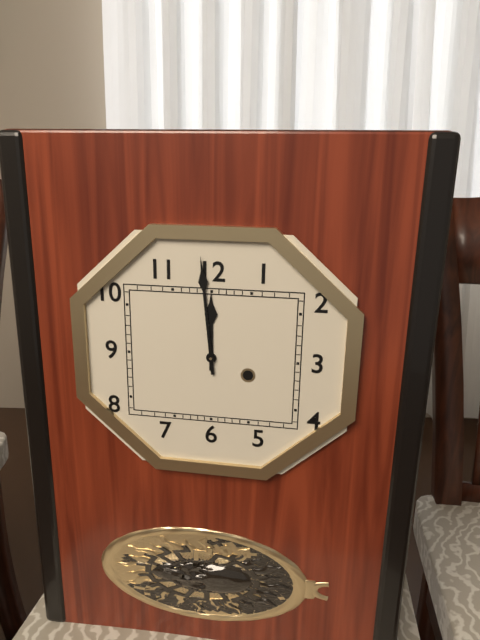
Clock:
{"hour": 11, "minute": 59}
